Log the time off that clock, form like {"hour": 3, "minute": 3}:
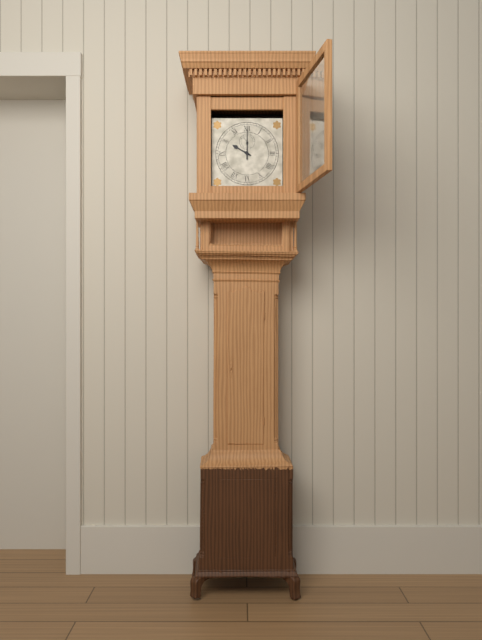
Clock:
{"hour": 10, "minute": 0}
